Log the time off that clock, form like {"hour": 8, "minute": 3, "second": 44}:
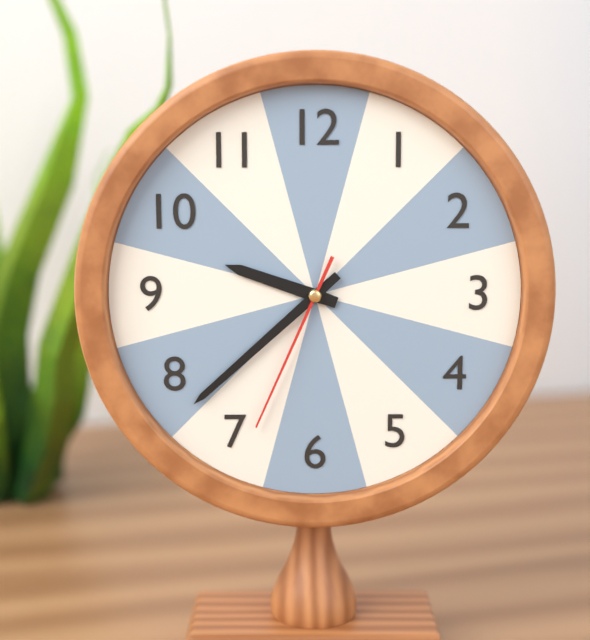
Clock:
{"hour": 9, "minute": 38, "second": 34}
